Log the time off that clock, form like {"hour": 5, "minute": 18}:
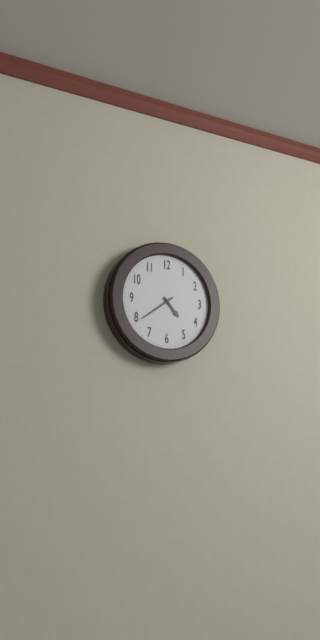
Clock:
{"hour": 4, "minute": 39}
